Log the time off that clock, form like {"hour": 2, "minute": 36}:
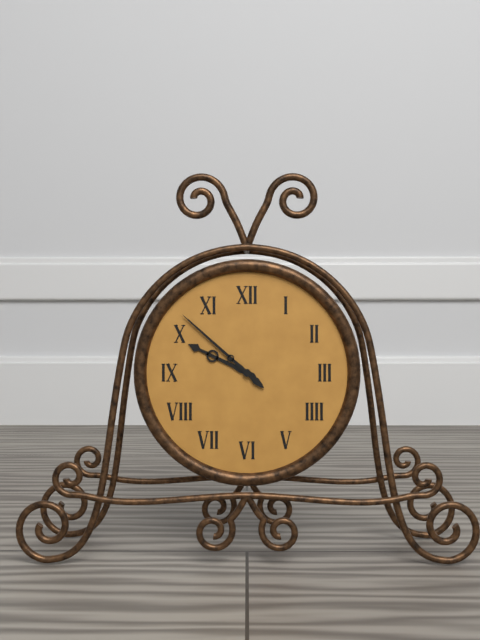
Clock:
{"hour": 9, "minute": 52}
